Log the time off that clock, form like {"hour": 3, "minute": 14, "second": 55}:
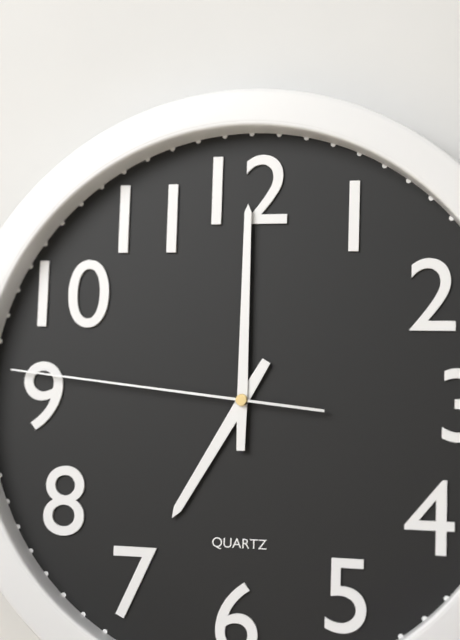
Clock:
{"hour": 7, "minute": 0, "second": 46}
